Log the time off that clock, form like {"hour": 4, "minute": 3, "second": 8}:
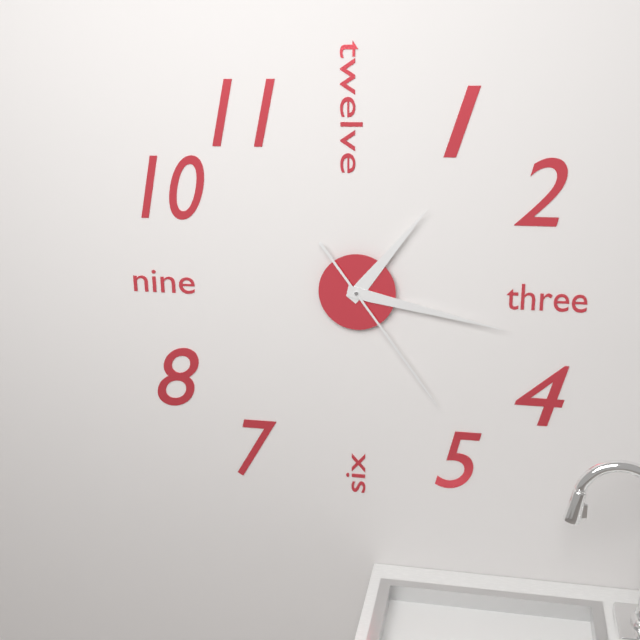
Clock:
{"hour": 1, "minute": 17, "second": 24}
